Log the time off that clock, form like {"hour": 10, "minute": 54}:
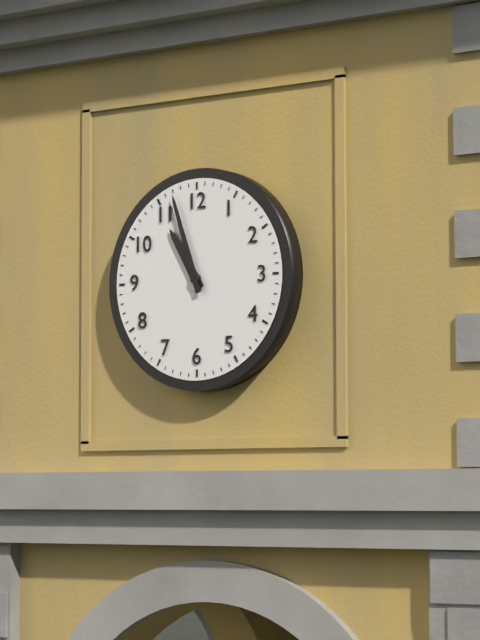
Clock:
{"hour": 10, "minute": 57}
